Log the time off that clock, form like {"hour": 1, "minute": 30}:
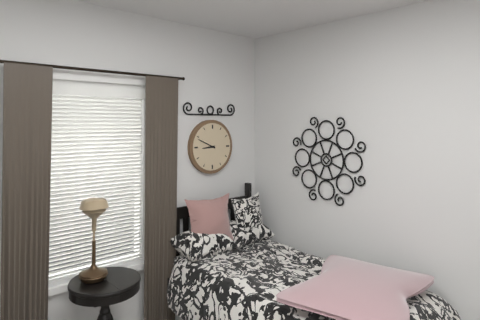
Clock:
{"hour": 8, "minute": 49}
